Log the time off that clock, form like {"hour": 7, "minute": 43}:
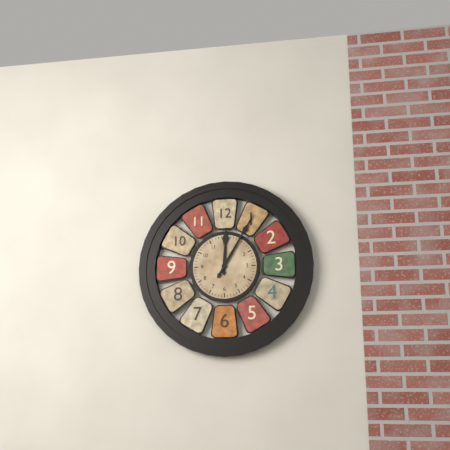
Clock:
{"hour": 12, "minute": 5}
